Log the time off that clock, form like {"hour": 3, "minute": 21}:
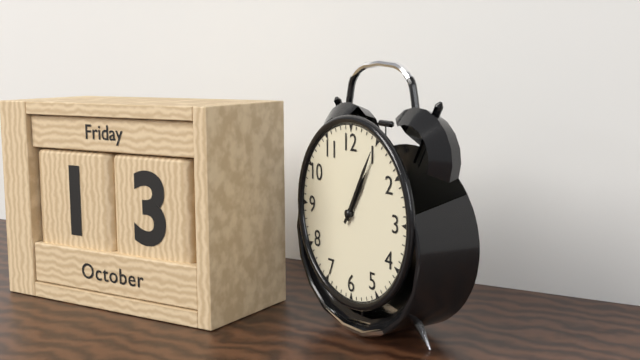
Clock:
{"hour": 1, "minute": 5}
